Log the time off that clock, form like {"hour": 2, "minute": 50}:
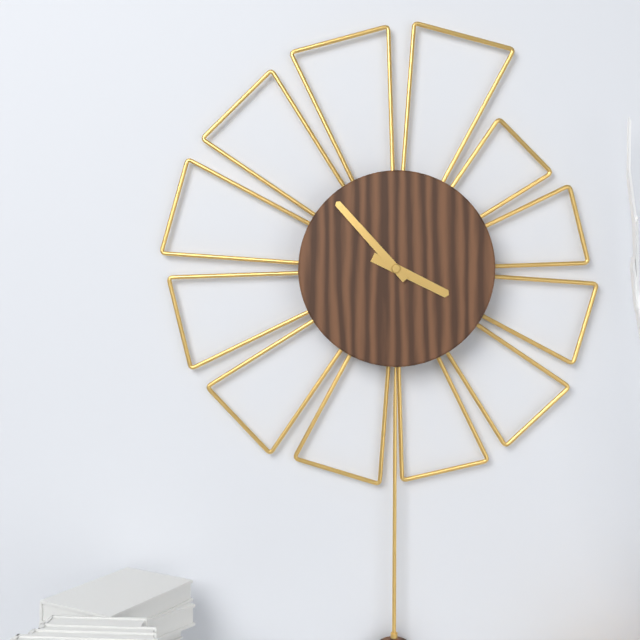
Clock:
{"hour": 3, "minute": 53}
